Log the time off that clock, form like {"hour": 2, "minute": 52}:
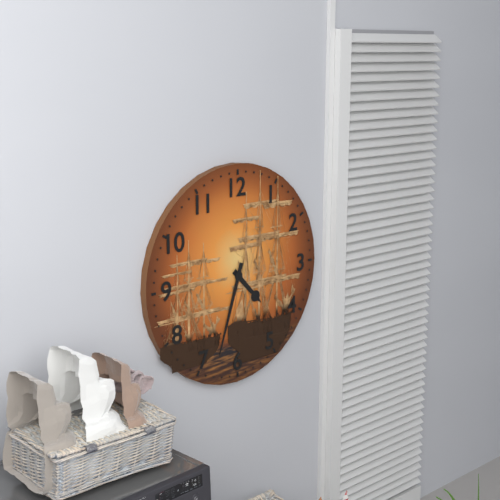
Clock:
{"hour": 4, "minute": 33}
